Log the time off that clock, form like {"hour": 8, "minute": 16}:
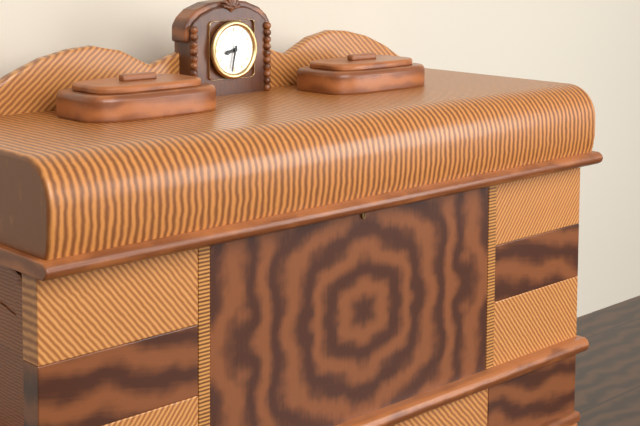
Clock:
{"hour": 8, "minute": 32}
